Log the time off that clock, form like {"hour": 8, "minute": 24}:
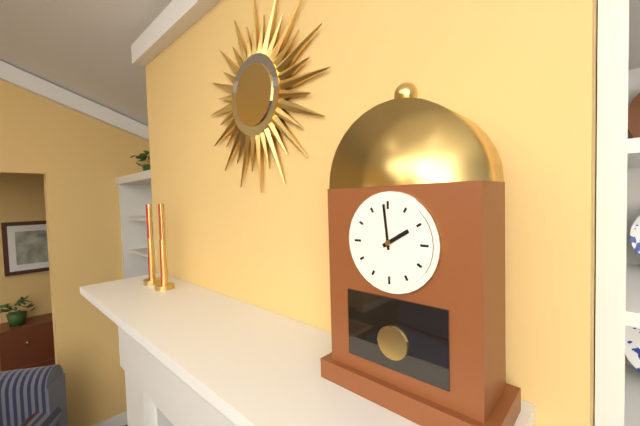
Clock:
{"hour": 1, "minute": 59}
